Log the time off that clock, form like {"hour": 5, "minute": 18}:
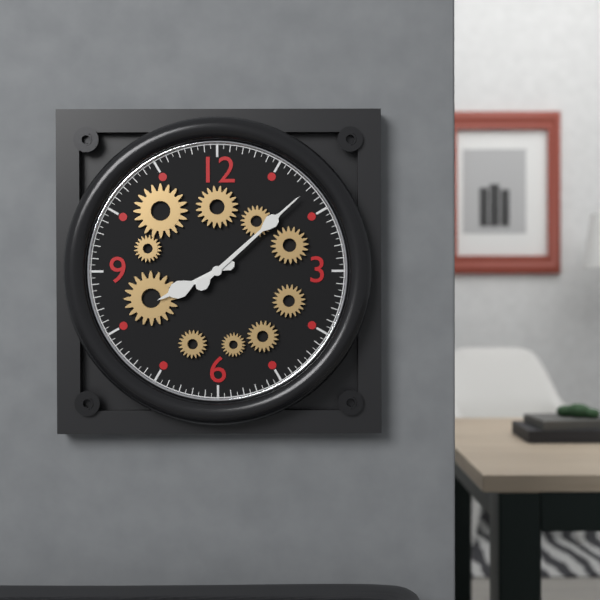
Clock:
{"hour": 8, "minute": 8}
